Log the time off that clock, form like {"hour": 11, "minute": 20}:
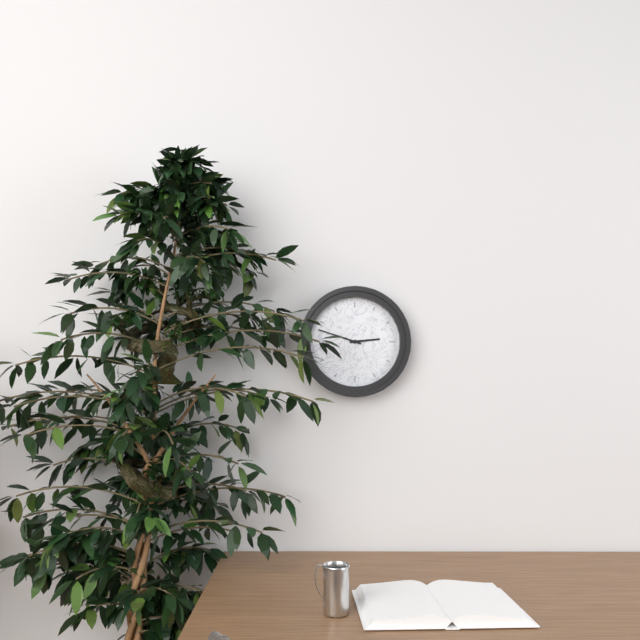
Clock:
{"hour": 2, "minute": 48}
